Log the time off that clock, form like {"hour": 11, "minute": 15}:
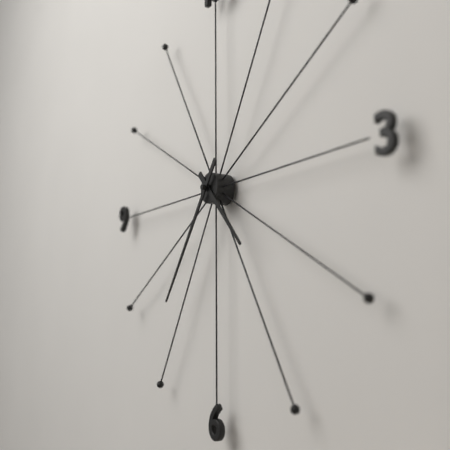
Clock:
{"hour": 4, "minute": 36}
